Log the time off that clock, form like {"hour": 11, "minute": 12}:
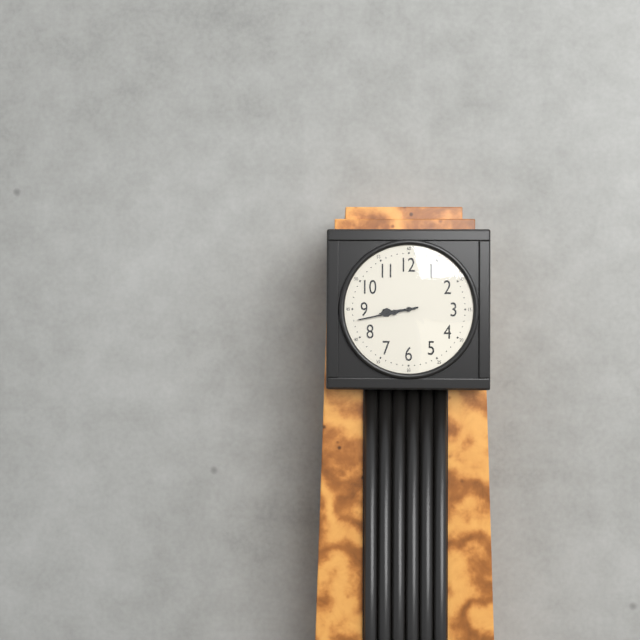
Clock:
{"hour": 8, "minute": 43}
